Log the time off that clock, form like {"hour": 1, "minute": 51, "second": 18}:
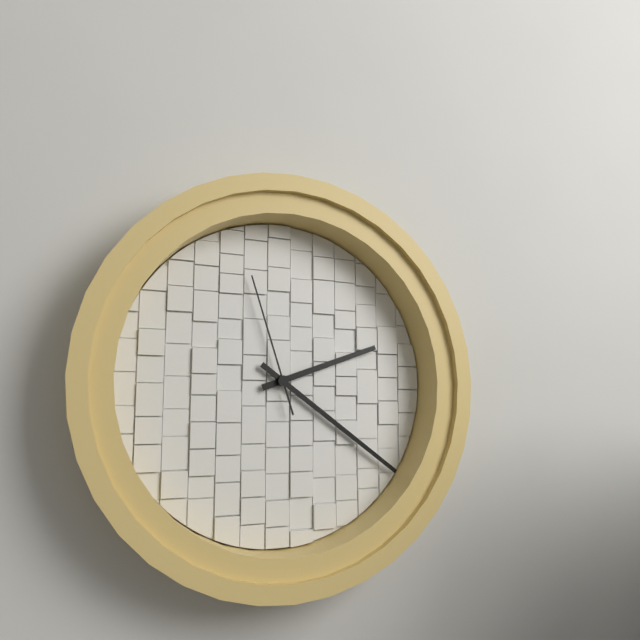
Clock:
{"hour": 2, "minute": 21, "second": 57}
